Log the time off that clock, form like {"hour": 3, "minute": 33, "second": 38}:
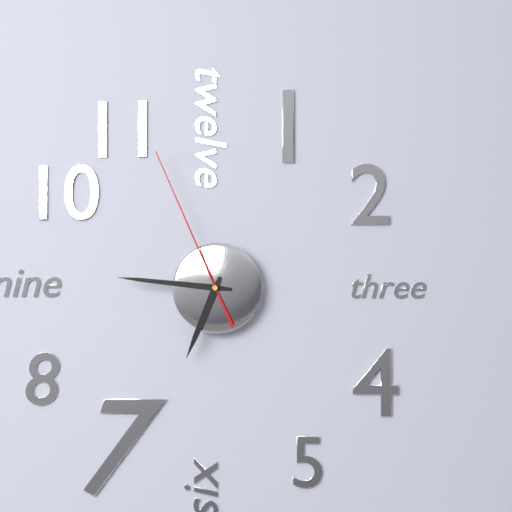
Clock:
{"hour": 6, "minute": 46, "second": 56}
